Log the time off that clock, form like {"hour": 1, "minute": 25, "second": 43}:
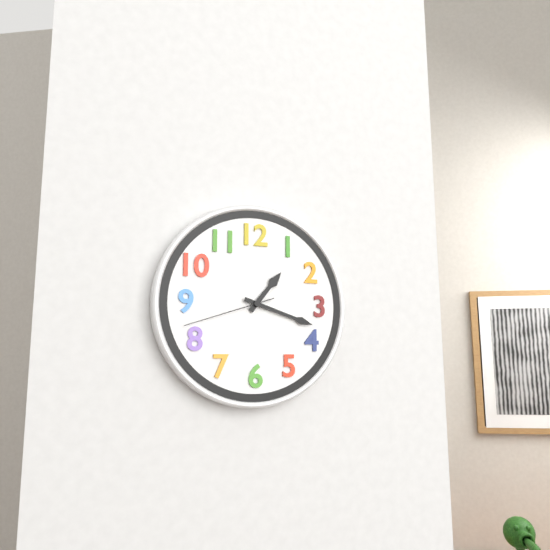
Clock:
{"hour": 1, "minute": 18, "second": 42}
